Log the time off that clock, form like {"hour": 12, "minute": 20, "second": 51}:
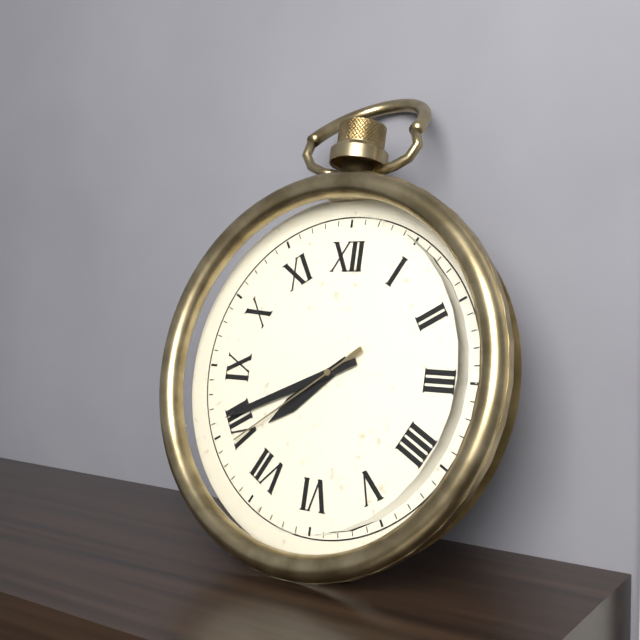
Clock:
{"hour": 7, "minute": 41, "second": 39}
